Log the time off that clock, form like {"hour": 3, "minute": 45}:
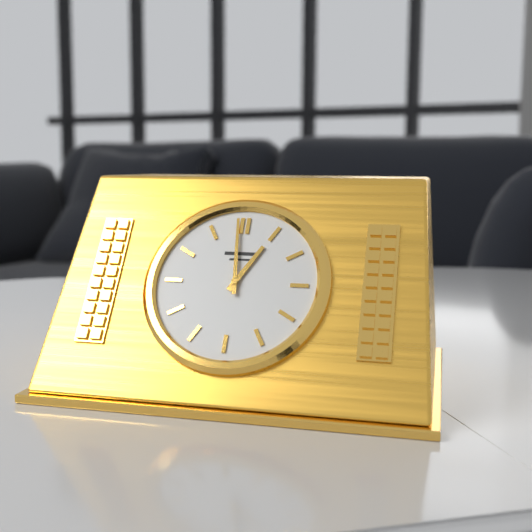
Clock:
{"hour": 12, "minute": 59}
